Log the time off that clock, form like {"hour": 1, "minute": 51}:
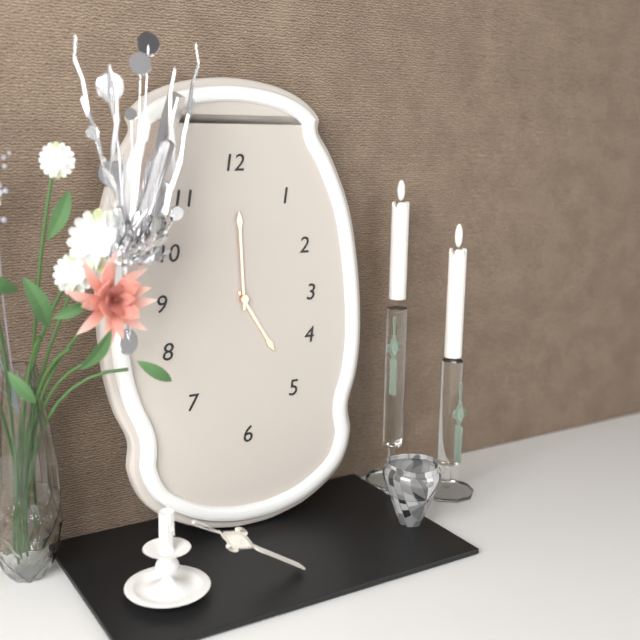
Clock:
{"hour": 5, "minute": 0}
